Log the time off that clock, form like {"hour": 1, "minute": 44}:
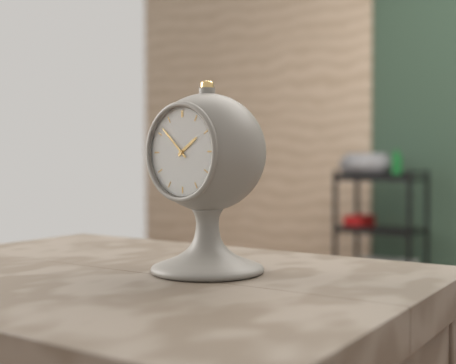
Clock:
{"hour": 1, "minute": 52}
